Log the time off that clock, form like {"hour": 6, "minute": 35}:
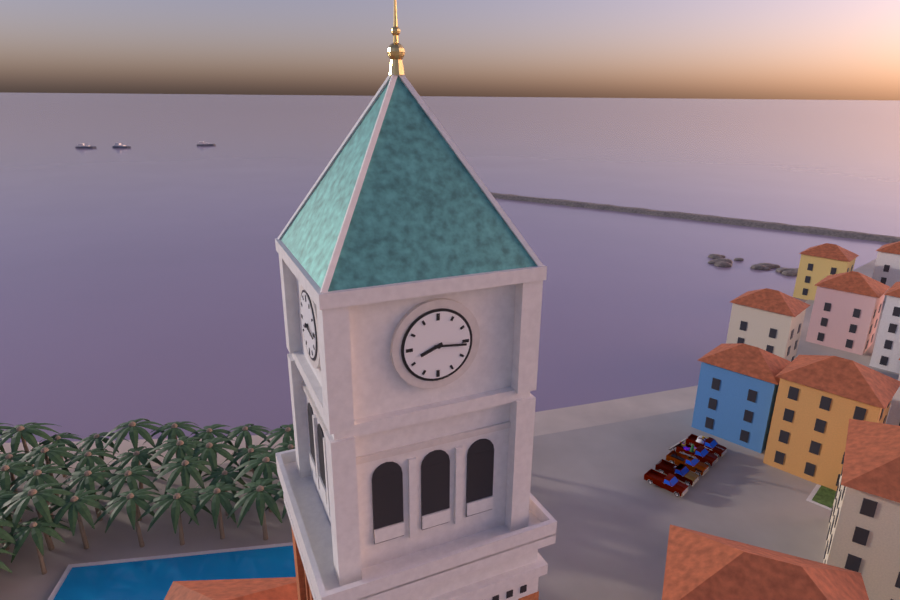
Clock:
{"hour": 8, "minute": 16}
